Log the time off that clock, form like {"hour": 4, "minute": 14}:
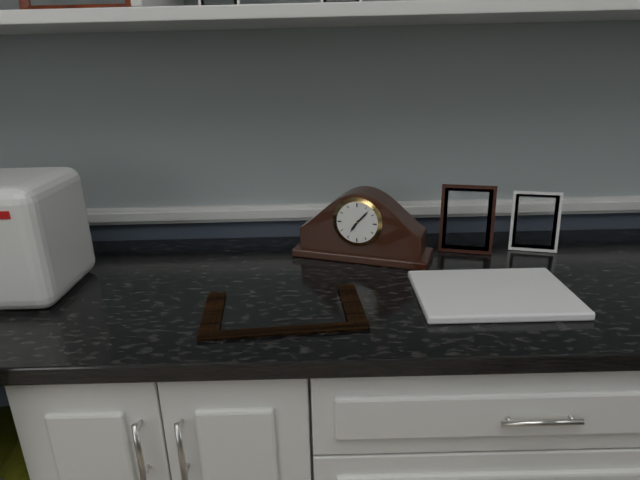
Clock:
{"hour": 7, "minute": 7}
